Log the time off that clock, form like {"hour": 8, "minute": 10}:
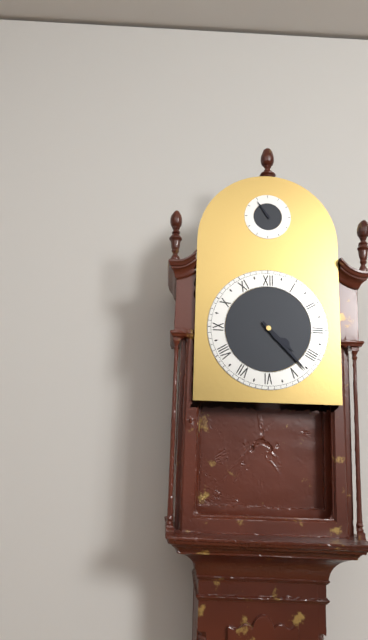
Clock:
{"hour": 4, "minute": 23}
